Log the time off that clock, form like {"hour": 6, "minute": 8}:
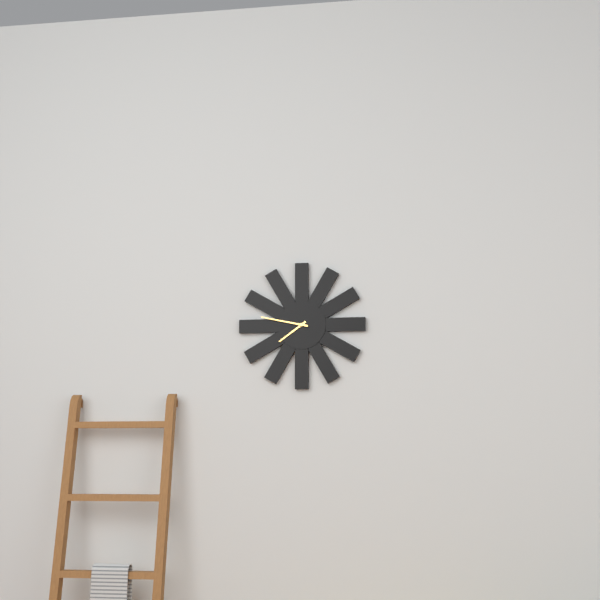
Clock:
{"hour": 7, "minute": 47}
